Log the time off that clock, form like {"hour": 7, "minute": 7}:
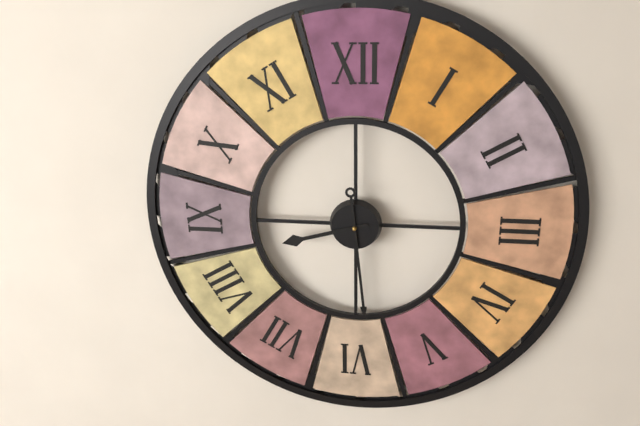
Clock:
{"hour": 8, "minute": 29}
